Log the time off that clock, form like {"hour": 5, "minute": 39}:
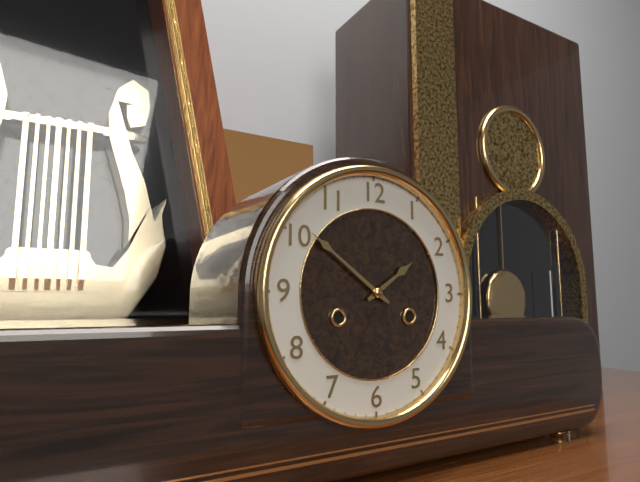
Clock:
{"hour": 1, "minute": 51}
